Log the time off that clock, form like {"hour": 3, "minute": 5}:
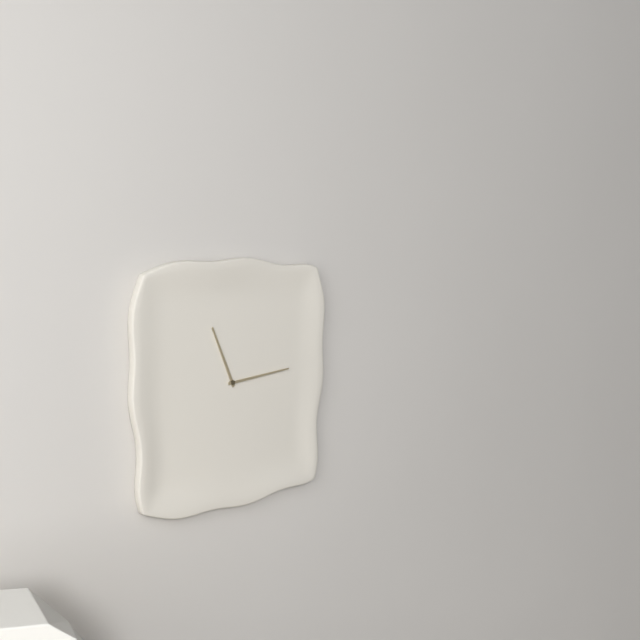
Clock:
{"hour": 11, "minute": 14}
